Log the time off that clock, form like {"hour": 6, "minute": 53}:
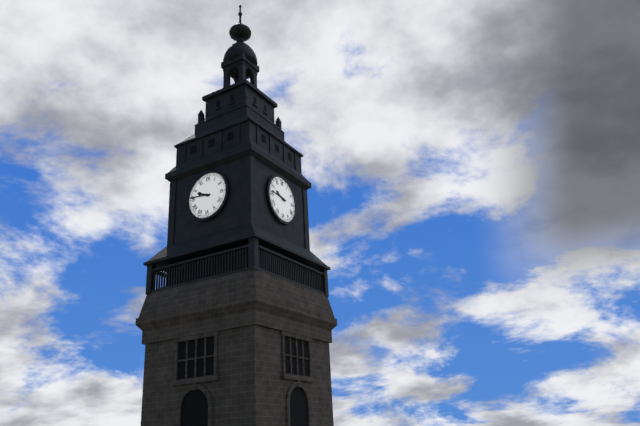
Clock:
{"hour": 9, "minute": 46}
